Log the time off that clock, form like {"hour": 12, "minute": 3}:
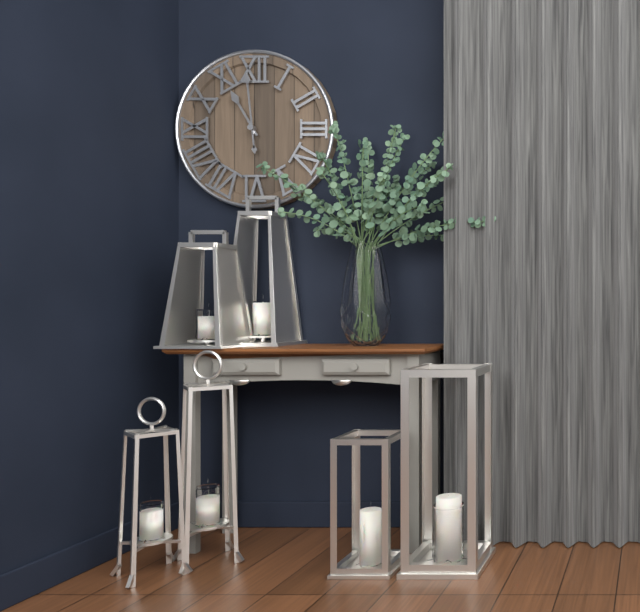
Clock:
{"hour": 10, "minute": 59}
